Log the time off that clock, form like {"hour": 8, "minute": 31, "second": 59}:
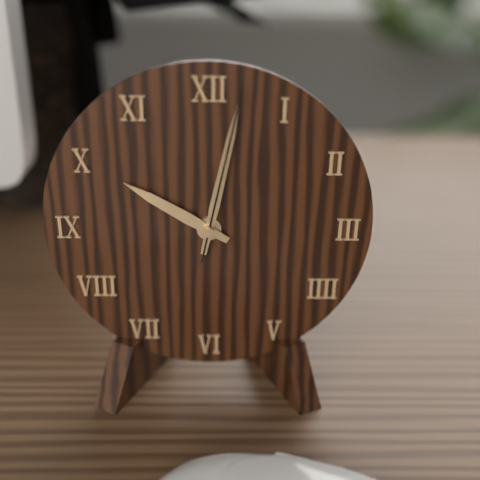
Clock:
{"hour": 10, "minute": 2, "second": 2}
